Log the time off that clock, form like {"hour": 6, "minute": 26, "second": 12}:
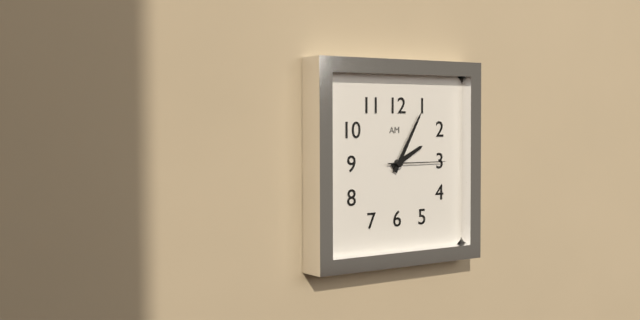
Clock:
{"hour": 2, "minute": 5, "second": 15}
